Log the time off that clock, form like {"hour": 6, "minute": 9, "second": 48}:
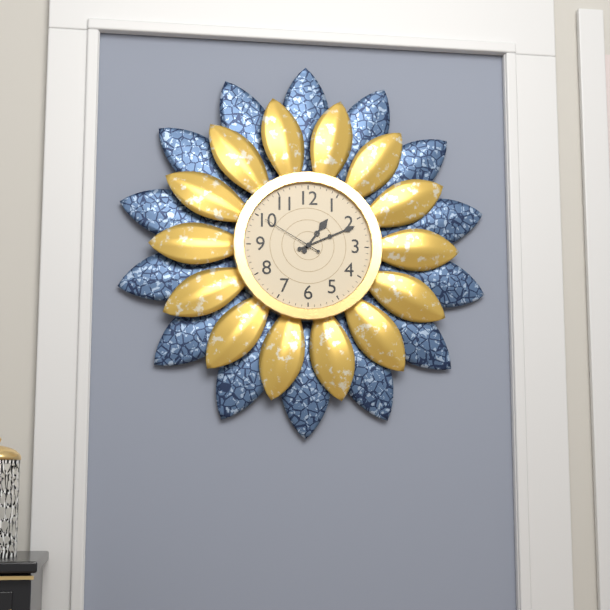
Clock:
{"hour": 1, "minute": 11, "second": 50}
